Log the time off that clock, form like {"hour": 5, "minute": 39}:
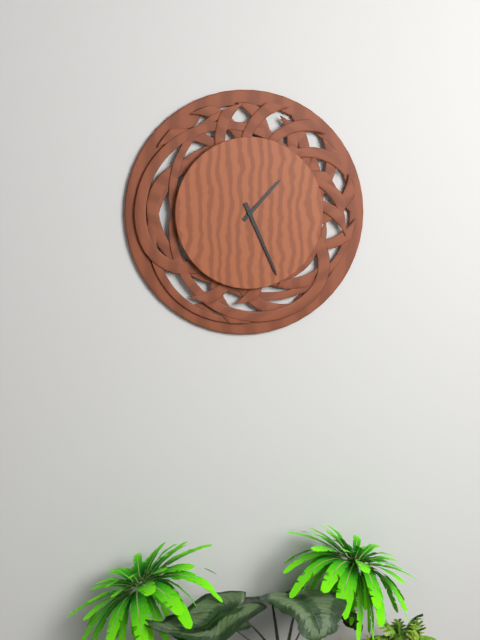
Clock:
{"hour": 1, "minute": 26}
